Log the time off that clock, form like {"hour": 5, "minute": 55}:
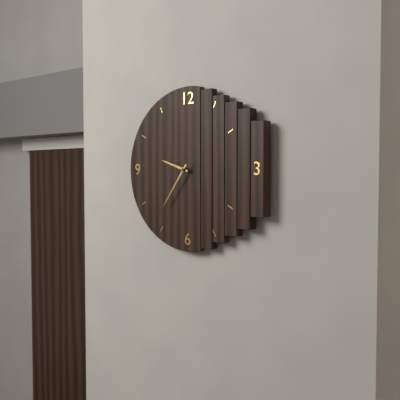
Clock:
{"hour": 9, "minute": 36}
